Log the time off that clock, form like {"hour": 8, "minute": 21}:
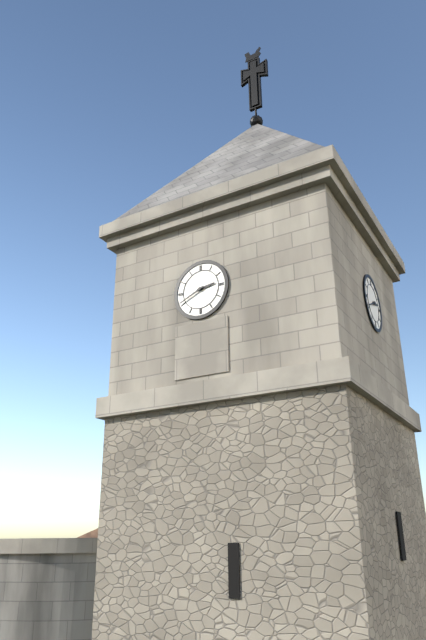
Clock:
{"hour": 2, "minute": 41}
